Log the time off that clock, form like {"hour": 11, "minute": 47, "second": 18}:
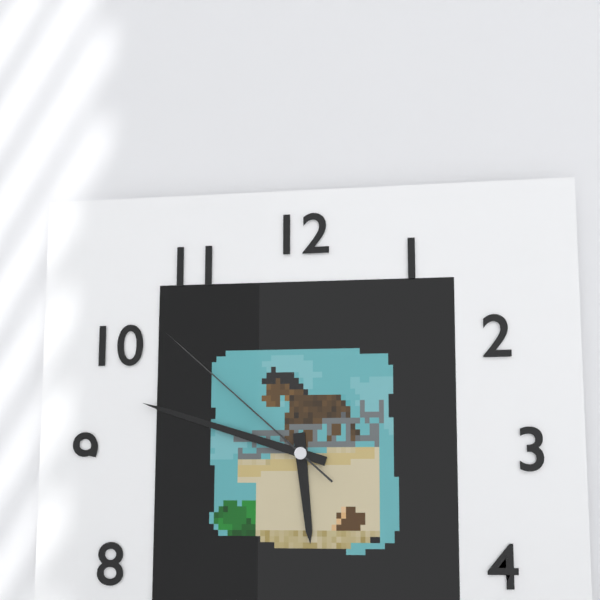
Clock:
{"hour": 5, "minute": 48, "second": 52}
